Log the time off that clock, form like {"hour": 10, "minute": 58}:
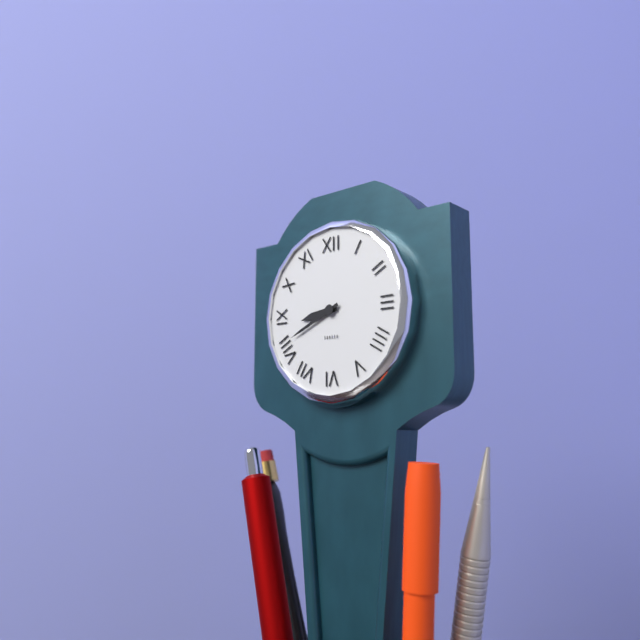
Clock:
{"hour": 8, "minute": 41}
